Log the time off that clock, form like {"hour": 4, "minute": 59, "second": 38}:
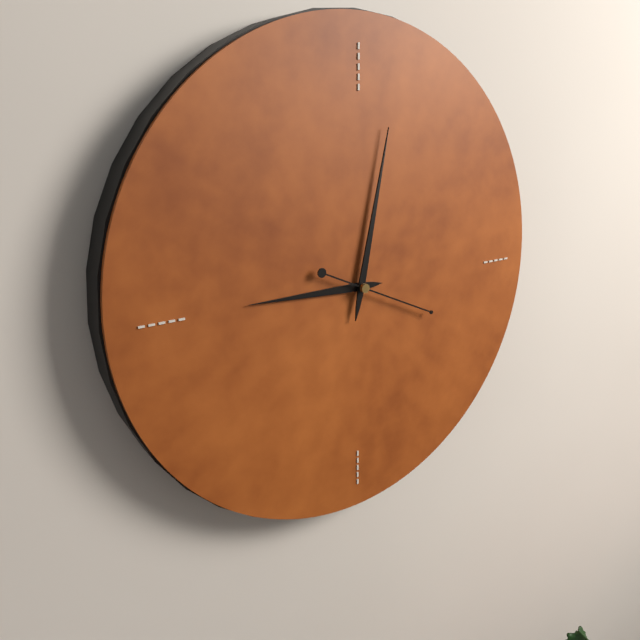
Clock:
{"hour": 9, "minute": 2, "second": 19}
